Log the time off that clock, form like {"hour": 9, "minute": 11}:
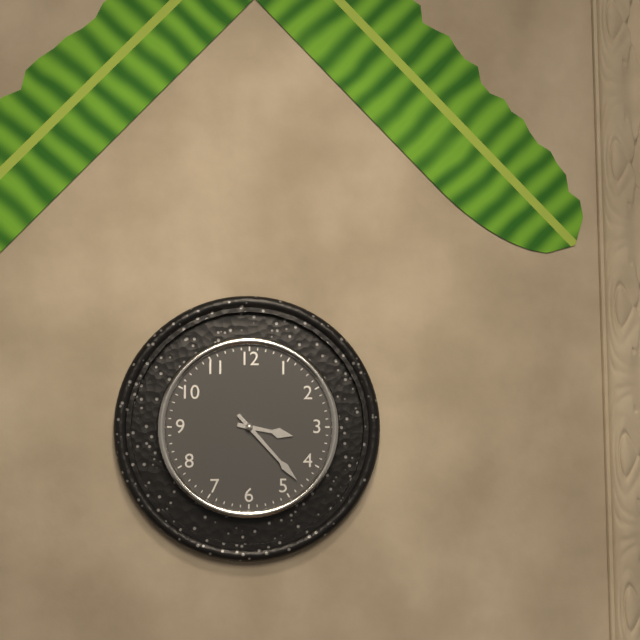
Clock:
{"hour": 3, "minute": 23}
